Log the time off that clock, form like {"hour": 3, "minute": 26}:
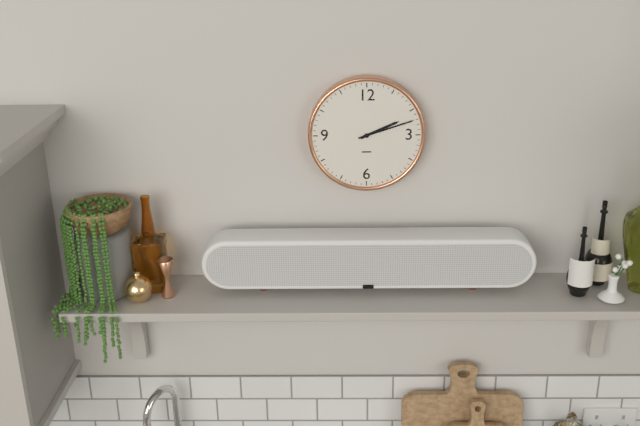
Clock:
{"hour": 2, "minute": 12}
